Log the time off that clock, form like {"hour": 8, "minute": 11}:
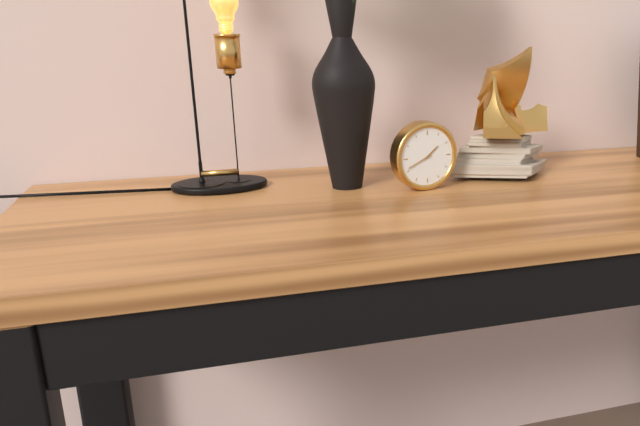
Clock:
{"hour": 1, "minute": 41}
